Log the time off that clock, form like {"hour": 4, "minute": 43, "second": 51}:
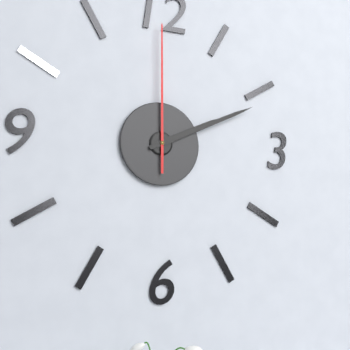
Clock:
{"hour": 2, "minute": 11, "second": 0}
